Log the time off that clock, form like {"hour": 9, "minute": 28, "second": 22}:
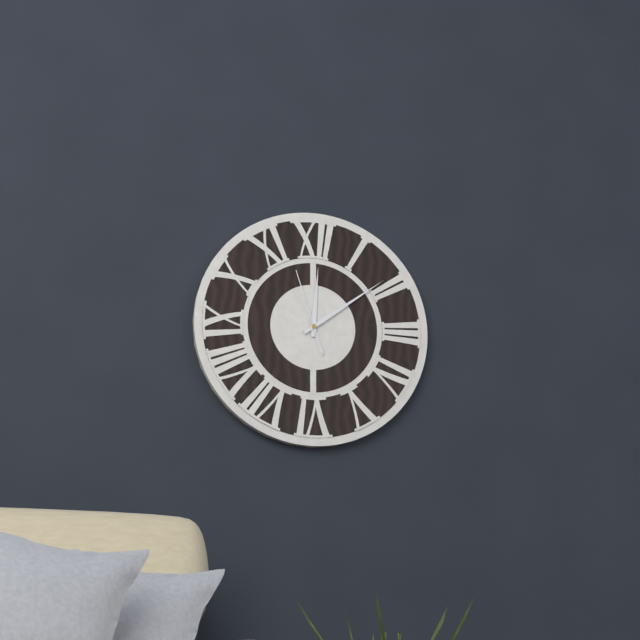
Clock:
{"hour": 12, "minute": 9, "second": 57}
